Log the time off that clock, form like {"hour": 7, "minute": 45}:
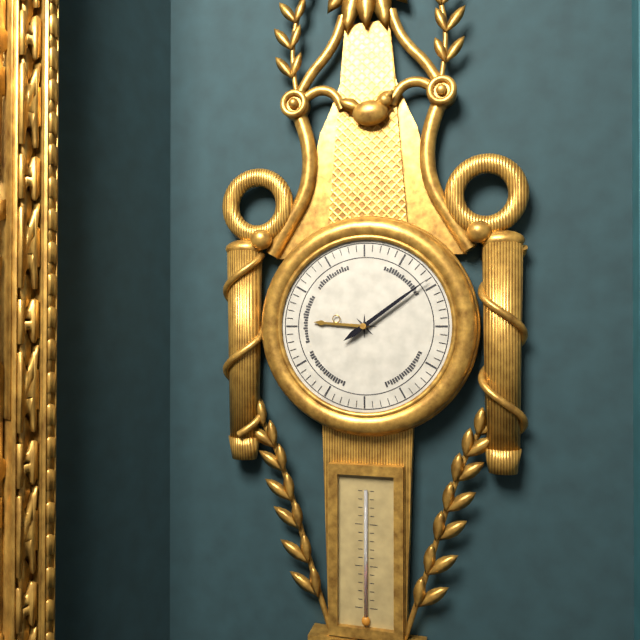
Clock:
{"hour": 9, "minute": 9}
